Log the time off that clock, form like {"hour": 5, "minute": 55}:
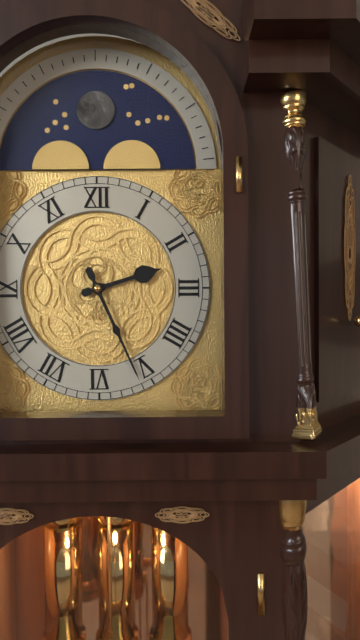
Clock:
{"hour": 2, "minute": 26}
